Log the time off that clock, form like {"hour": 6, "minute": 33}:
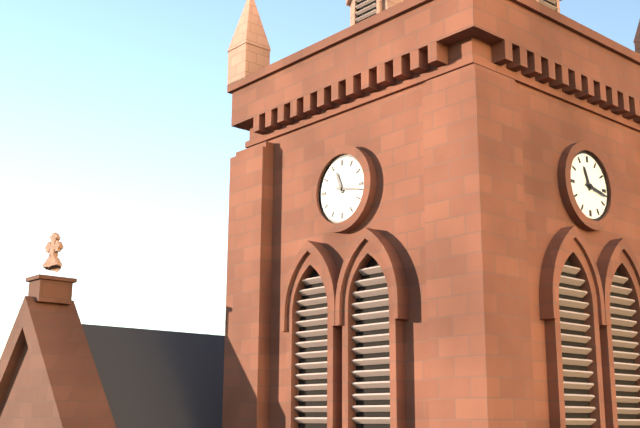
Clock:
{"hour": 11, "minute": 17}
